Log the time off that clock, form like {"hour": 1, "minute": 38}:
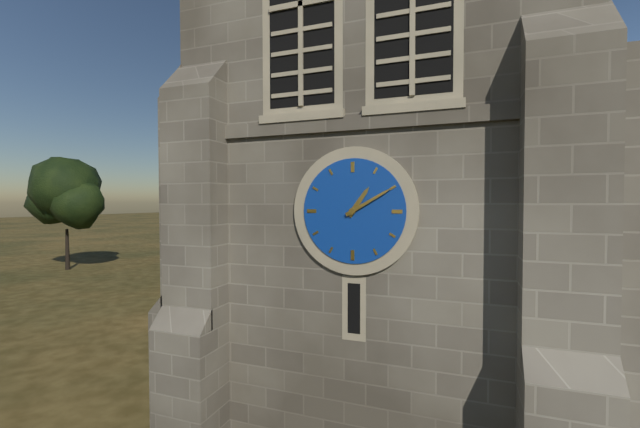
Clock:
{"hour": 1, "minute": 10}
